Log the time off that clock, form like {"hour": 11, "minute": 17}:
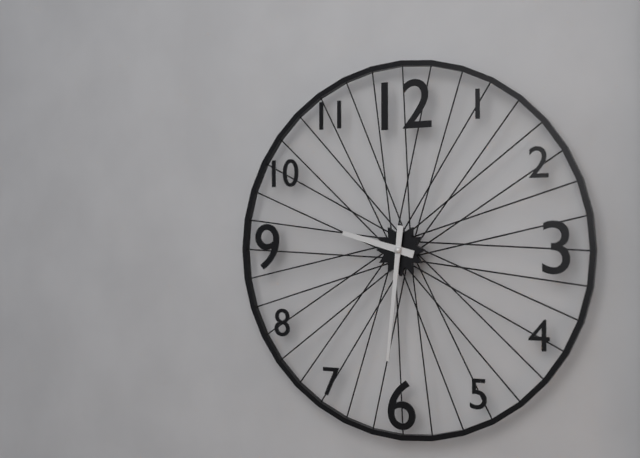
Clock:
{"hour": 9, "minute": 31}
